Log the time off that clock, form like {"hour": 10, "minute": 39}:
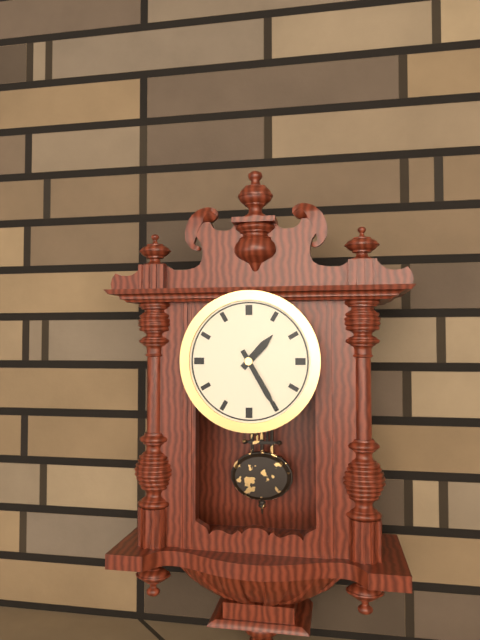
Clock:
{"hour": 1, "minute": 25}
